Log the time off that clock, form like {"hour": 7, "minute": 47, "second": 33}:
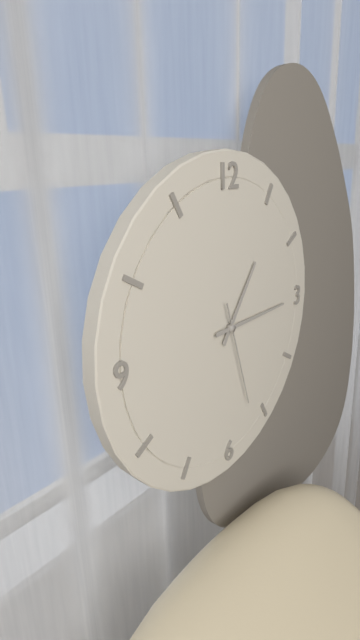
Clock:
{"hour": 1, "minute": 15, "second": 27}
